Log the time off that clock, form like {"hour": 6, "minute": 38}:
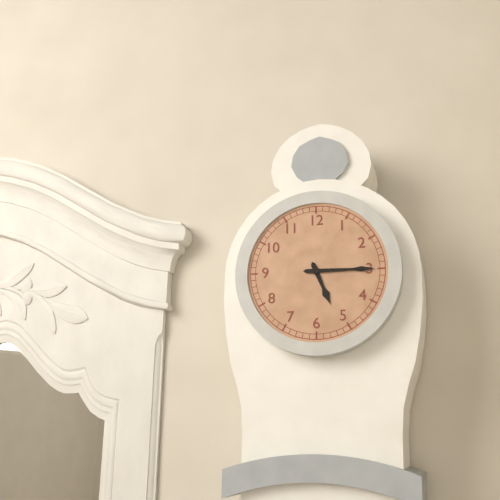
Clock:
{"hour": 5, "minute": 15}
